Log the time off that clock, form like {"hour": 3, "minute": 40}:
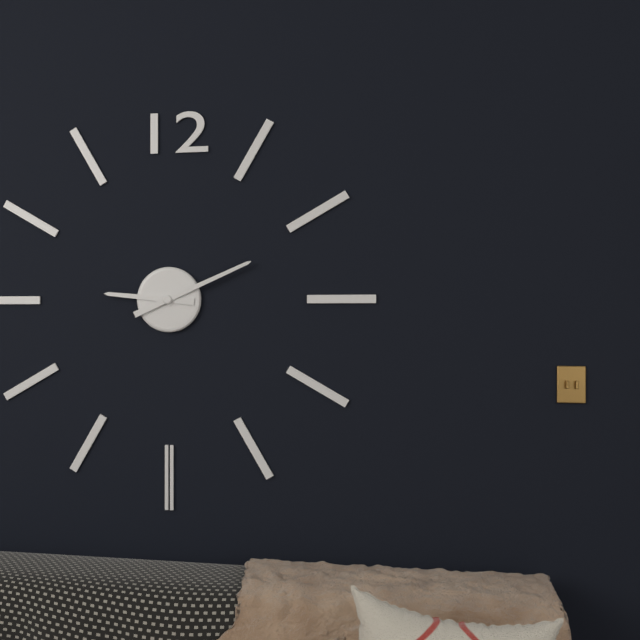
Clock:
{"hour": 9, "minute": 11}
